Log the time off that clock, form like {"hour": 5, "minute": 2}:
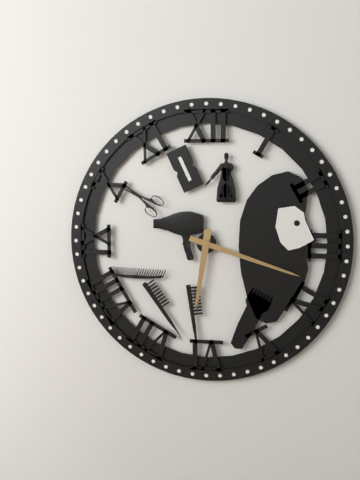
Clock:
{"hour": 6, "minute": 18}
